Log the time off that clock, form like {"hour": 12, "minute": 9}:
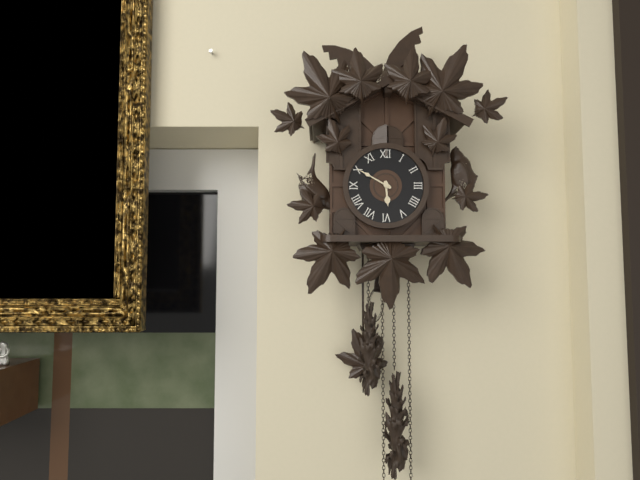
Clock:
{"hour": 5, "minute": 50}
